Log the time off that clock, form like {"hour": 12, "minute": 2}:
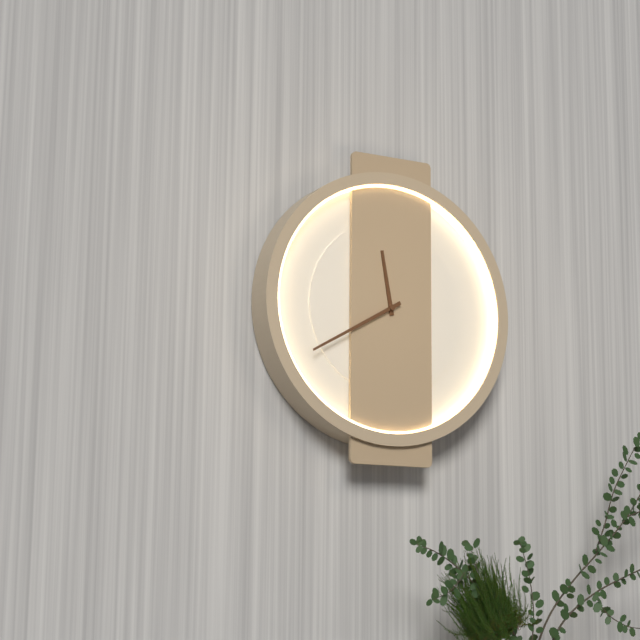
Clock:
{"hour": 11, "minute": 40}
